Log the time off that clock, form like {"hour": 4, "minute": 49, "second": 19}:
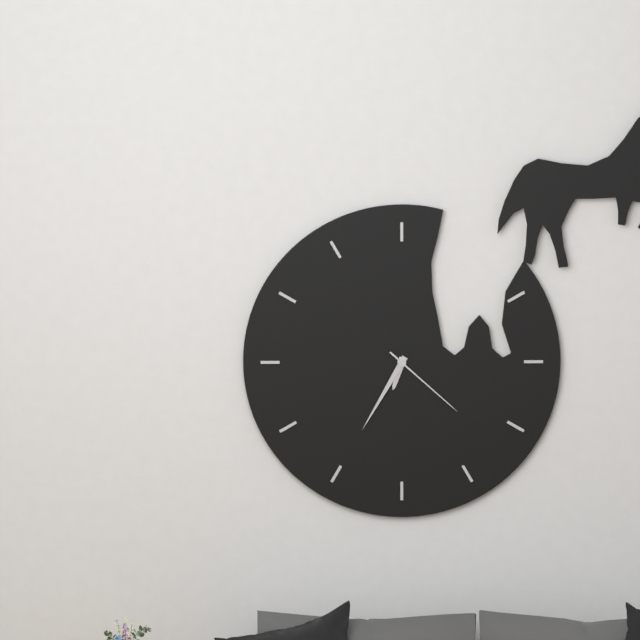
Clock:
{"hour": 6, "minute": 35, "second": 22}
